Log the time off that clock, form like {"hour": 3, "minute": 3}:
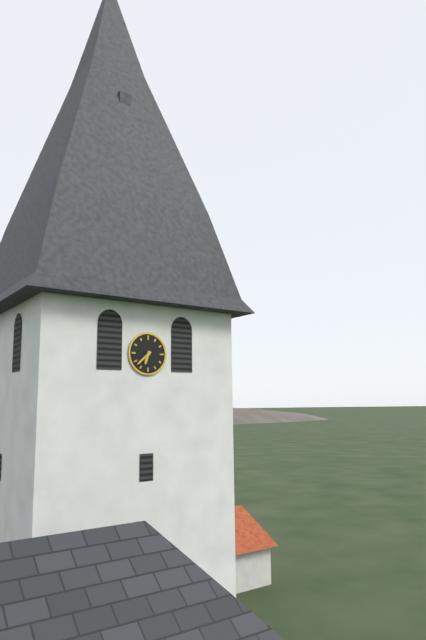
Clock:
{"hour": 6, "minute": 38}
